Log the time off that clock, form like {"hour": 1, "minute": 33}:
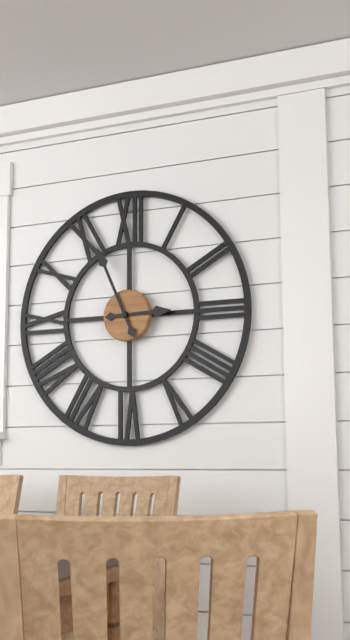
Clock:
{"hour": 2, "minute": 56}
